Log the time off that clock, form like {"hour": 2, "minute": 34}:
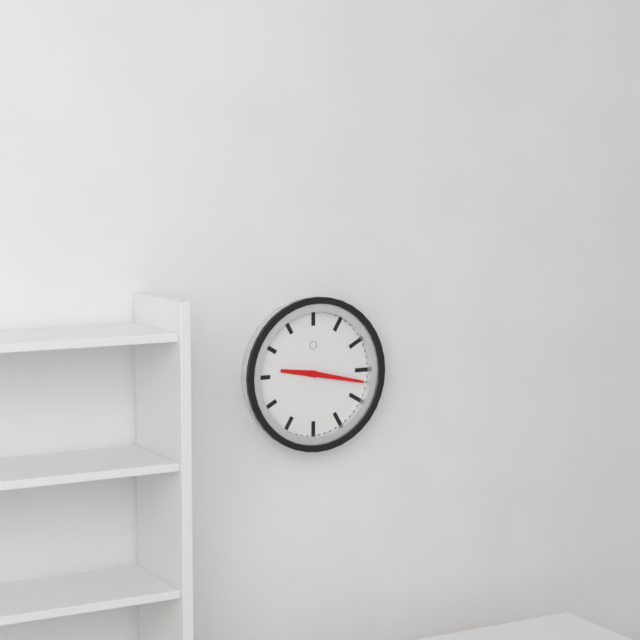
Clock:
{"hour": 9, "minute": 17}
